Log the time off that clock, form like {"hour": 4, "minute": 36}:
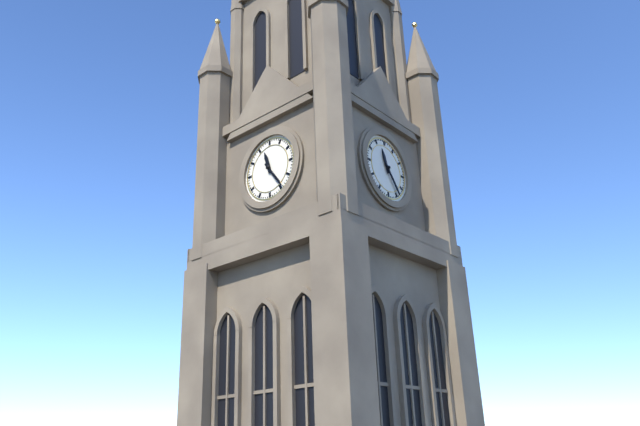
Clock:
{"hour": 11, "minute": 24}
